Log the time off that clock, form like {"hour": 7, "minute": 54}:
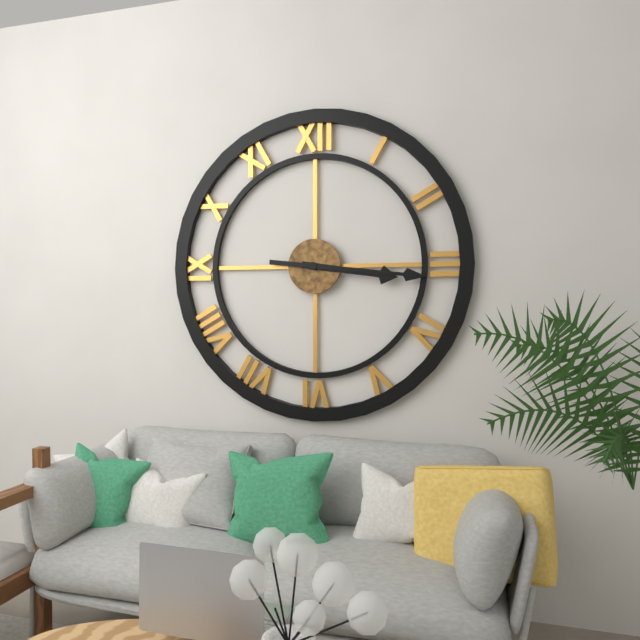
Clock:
{"hour": 3, "minute": 16}
